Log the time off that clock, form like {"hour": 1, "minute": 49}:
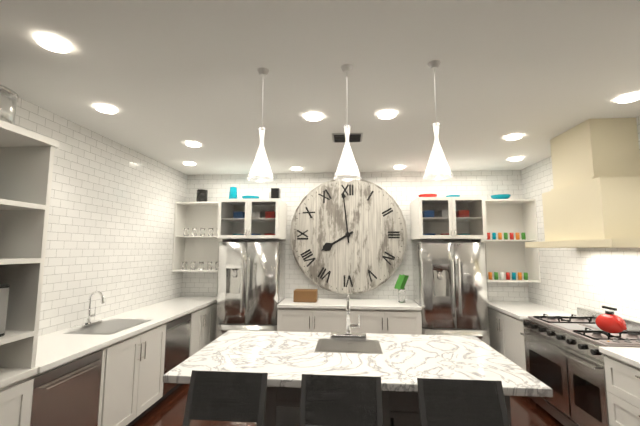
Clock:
{"hour": 7, "minute": 59}
